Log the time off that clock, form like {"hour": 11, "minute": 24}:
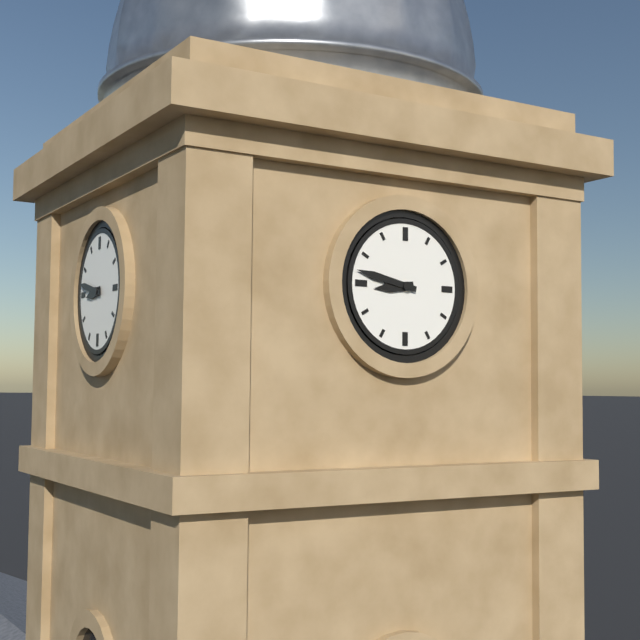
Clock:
{"hour": 8, "minute": 47}
